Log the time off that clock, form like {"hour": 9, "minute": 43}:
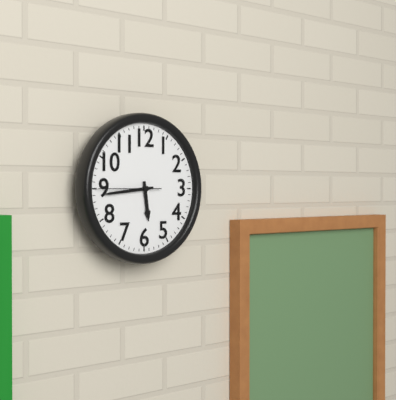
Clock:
{"hour": 5, "minute": 44}
